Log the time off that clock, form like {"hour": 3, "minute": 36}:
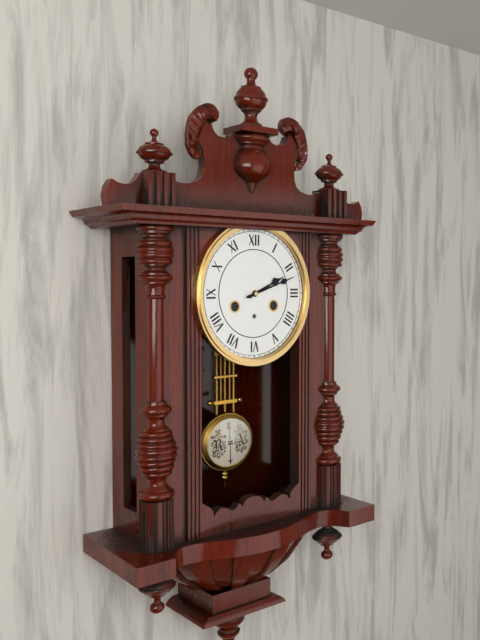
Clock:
{"hour": 2, "minute": 12}
